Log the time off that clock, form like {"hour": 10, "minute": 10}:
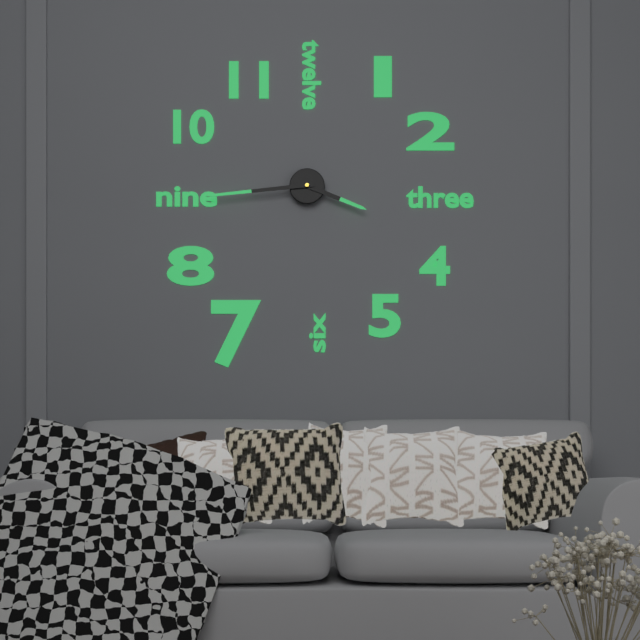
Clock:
{"hour": 3, "minute": 44}
